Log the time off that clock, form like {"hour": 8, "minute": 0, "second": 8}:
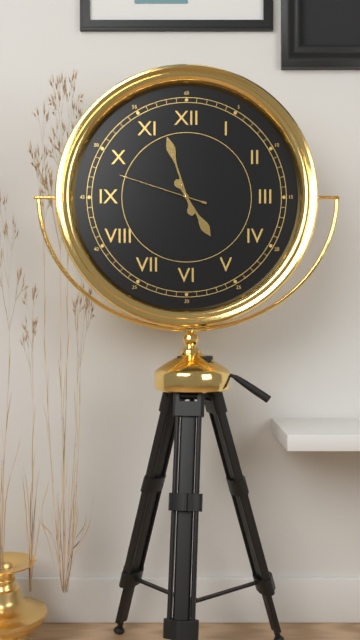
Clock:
{"hour": 4, "minute": 57, "second": 48}
